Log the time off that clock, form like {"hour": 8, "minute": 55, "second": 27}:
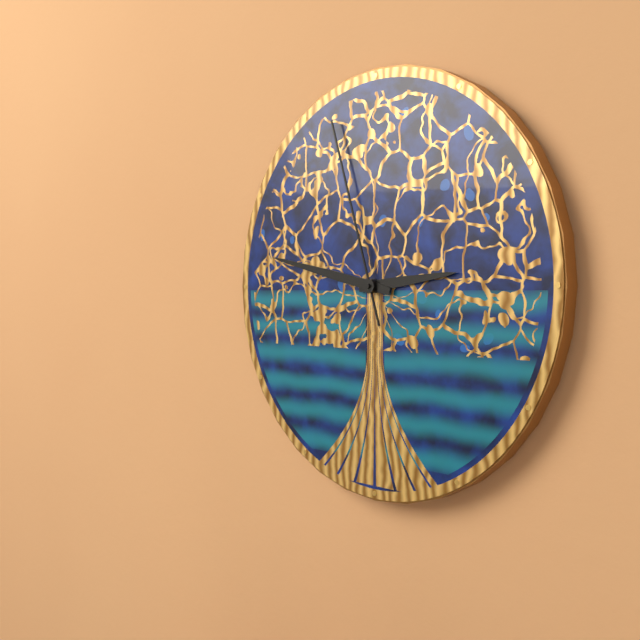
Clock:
{"hour": 2, "minute": 47, "second": 57}
